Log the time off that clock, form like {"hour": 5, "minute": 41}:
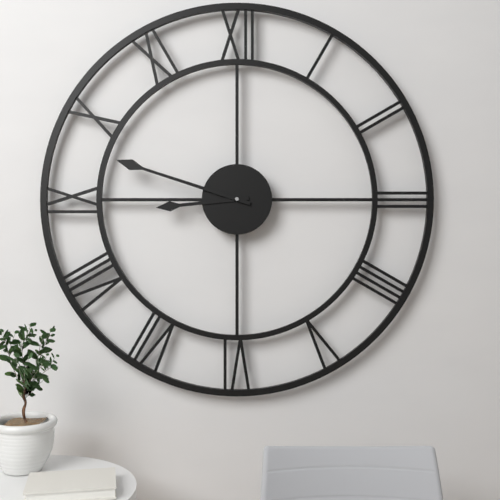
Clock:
{"hour": 8, "minute": 48}
